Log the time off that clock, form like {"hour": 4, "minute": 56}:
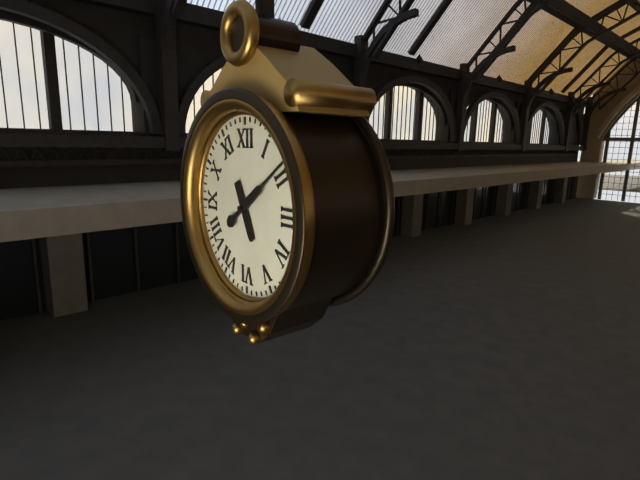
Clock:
{"hour": 5, "minute": 9}
